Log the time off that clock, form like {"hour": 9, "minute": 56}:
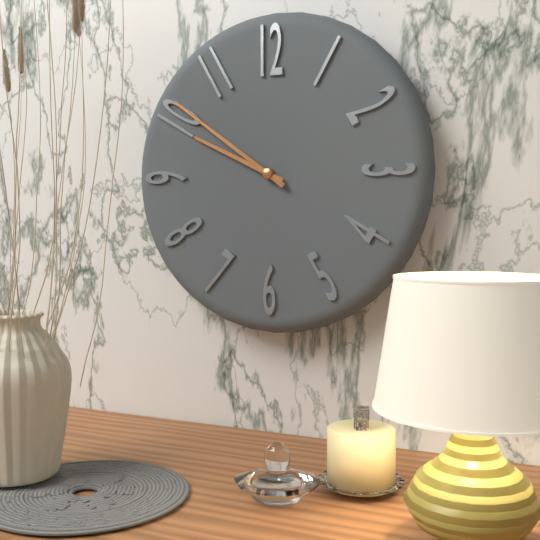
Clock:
{"hour": 9, "minute": 51}
